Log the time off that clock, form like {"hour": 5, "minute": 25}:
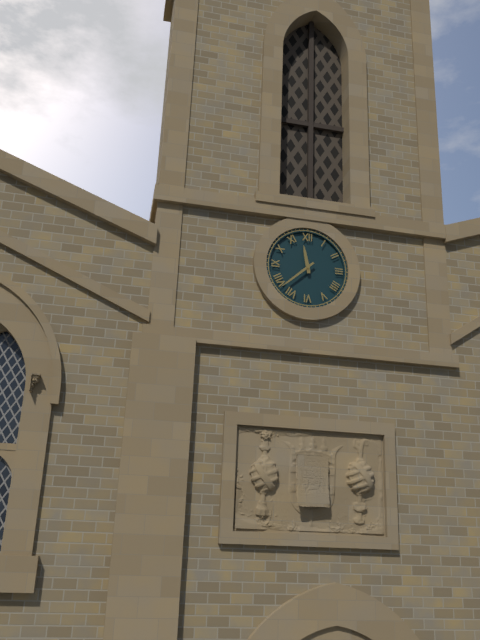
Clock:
{"hour": 11, "minute": 38}
